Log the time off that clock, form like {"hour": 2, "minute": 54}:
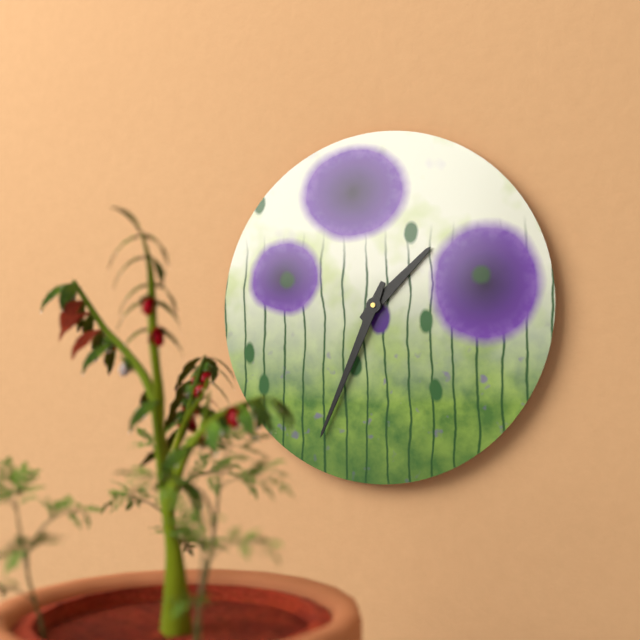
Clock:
{"hour": 1, "minute": 34}
